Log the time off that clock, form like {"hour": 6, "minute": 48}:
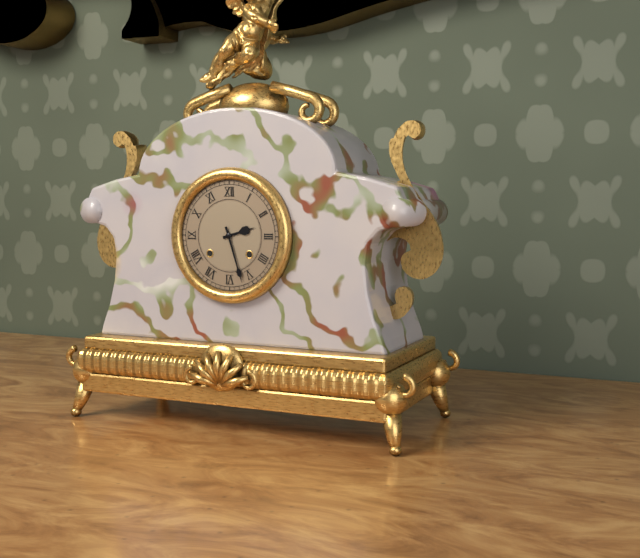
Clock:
{"hour": 2, "minute": 27}
